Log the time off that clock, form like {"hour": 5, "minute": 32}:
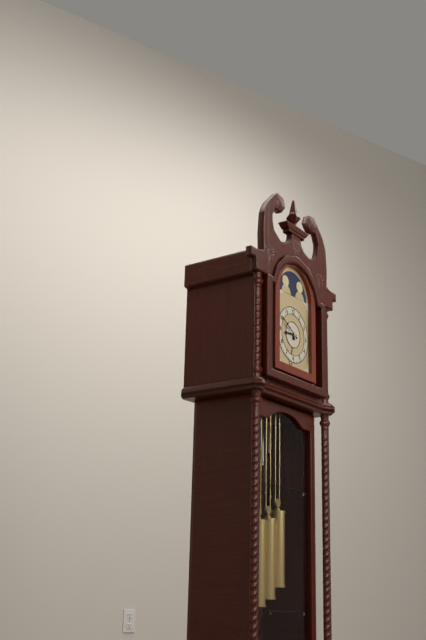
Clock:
{"hour": 8, "minute": 50}
